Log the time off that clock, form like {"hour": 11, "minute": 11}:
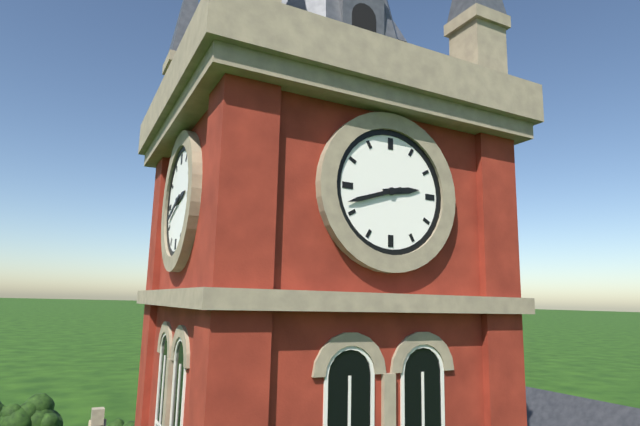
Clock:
{"hour": 2, "minute": 42}
